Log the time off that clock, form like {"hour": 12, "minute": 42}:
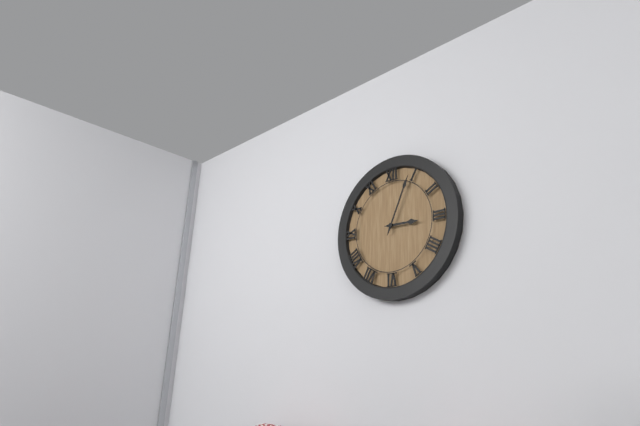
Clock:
{"hour": 3, "minute": 4}
